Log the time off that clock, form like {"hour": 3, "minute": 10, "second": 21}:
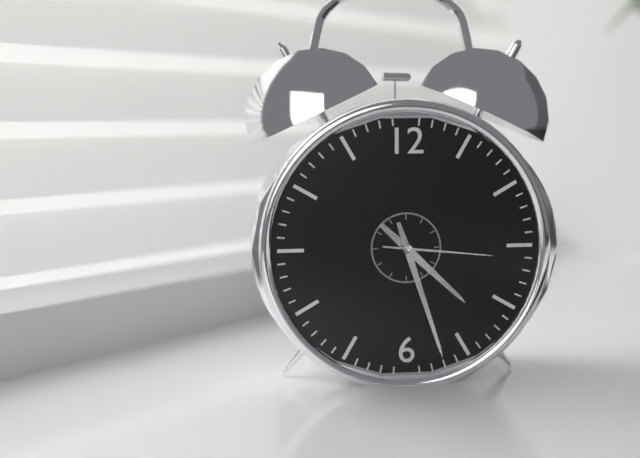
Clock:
{"hour": 4, "minute": 27, "second": 16}
